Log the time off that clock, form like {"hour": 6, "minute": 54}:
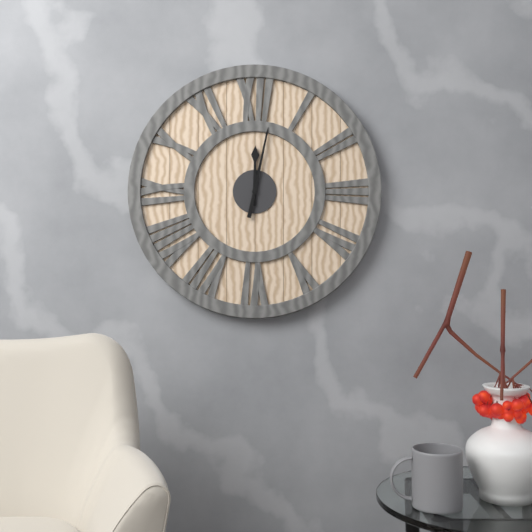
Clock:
{"hour": 12, "minute": 2}
